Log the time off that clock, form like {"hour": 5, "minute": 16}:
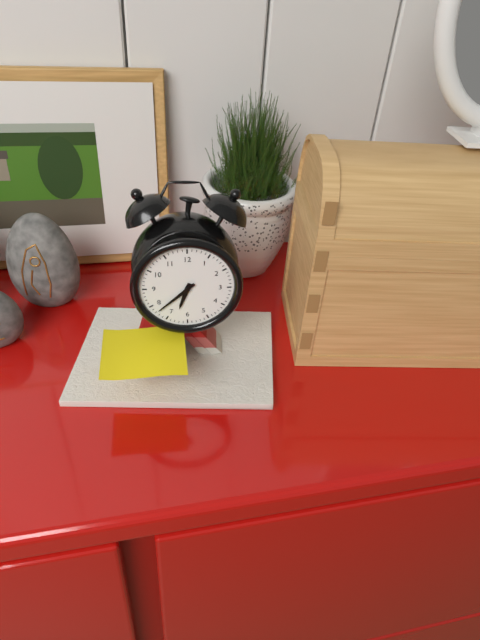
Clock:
{"hour": 6, "minute": 38}
